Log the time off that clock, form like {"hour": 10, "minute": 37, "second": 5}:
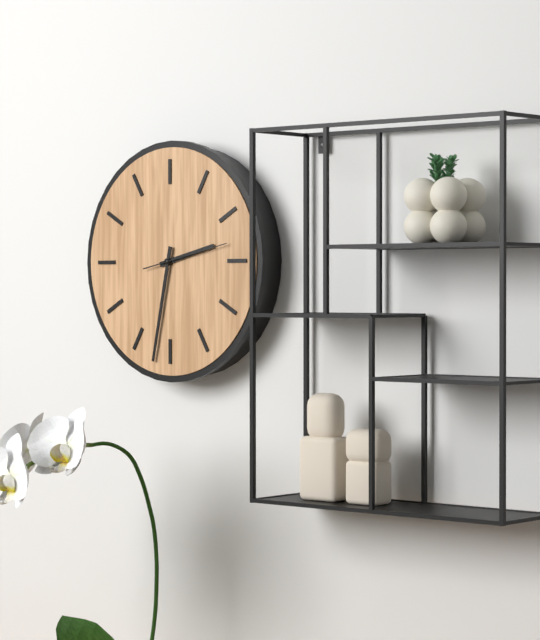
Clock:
{"hour": 2, "minute": 32, "second": 13}
